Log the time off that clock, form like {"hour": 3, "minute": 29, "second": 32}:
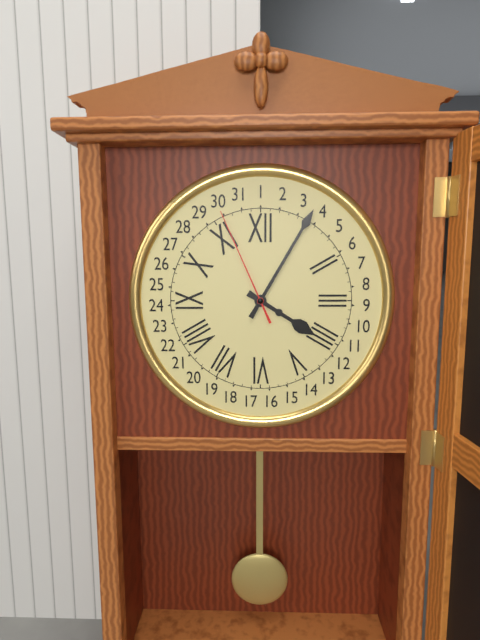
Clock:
{"hour": 4, "minute": 5, "second": 56}
